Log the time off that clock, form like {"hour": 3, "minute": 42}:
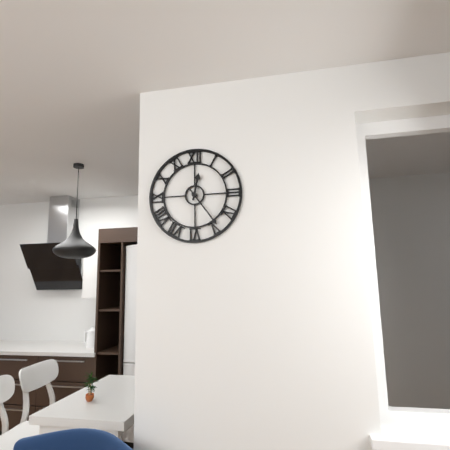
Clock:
{"hour": 12, "minute": 24}
